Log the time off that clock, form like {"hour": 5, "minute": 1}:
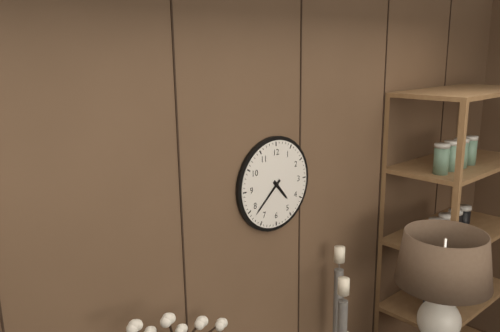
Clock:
{"hour": 4, "minute": 38}
